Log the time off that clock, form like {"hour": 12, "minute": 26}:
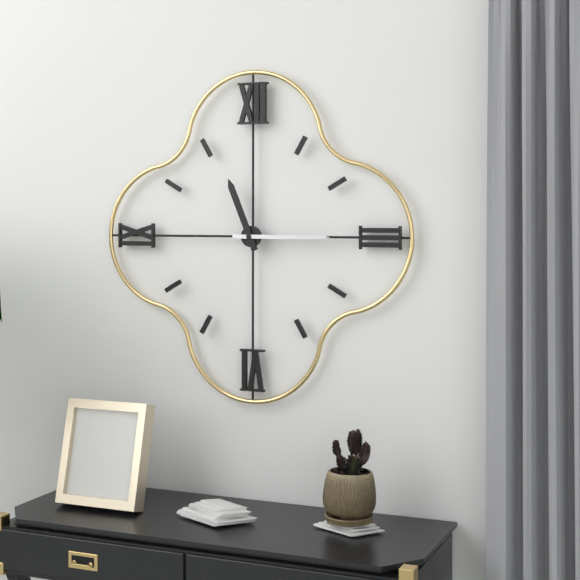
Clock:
{"hour": 11, "minute": 15}
